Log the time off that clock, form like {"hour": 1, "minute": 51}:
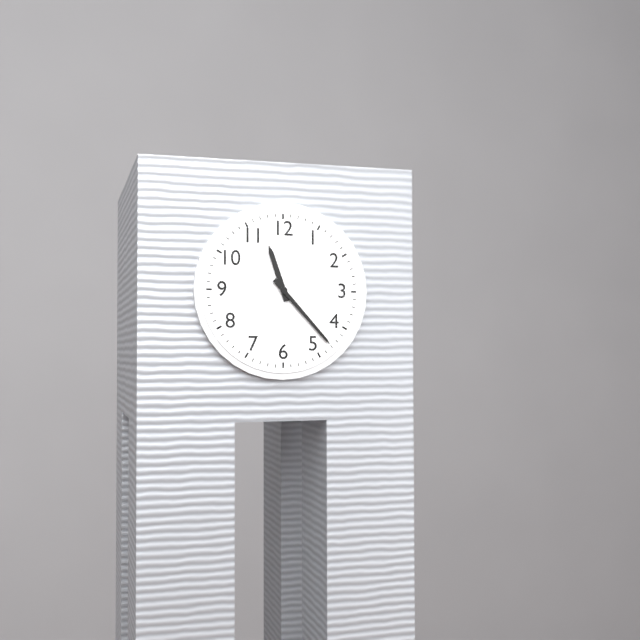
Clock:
{"hour": 11, "minute": 23}
